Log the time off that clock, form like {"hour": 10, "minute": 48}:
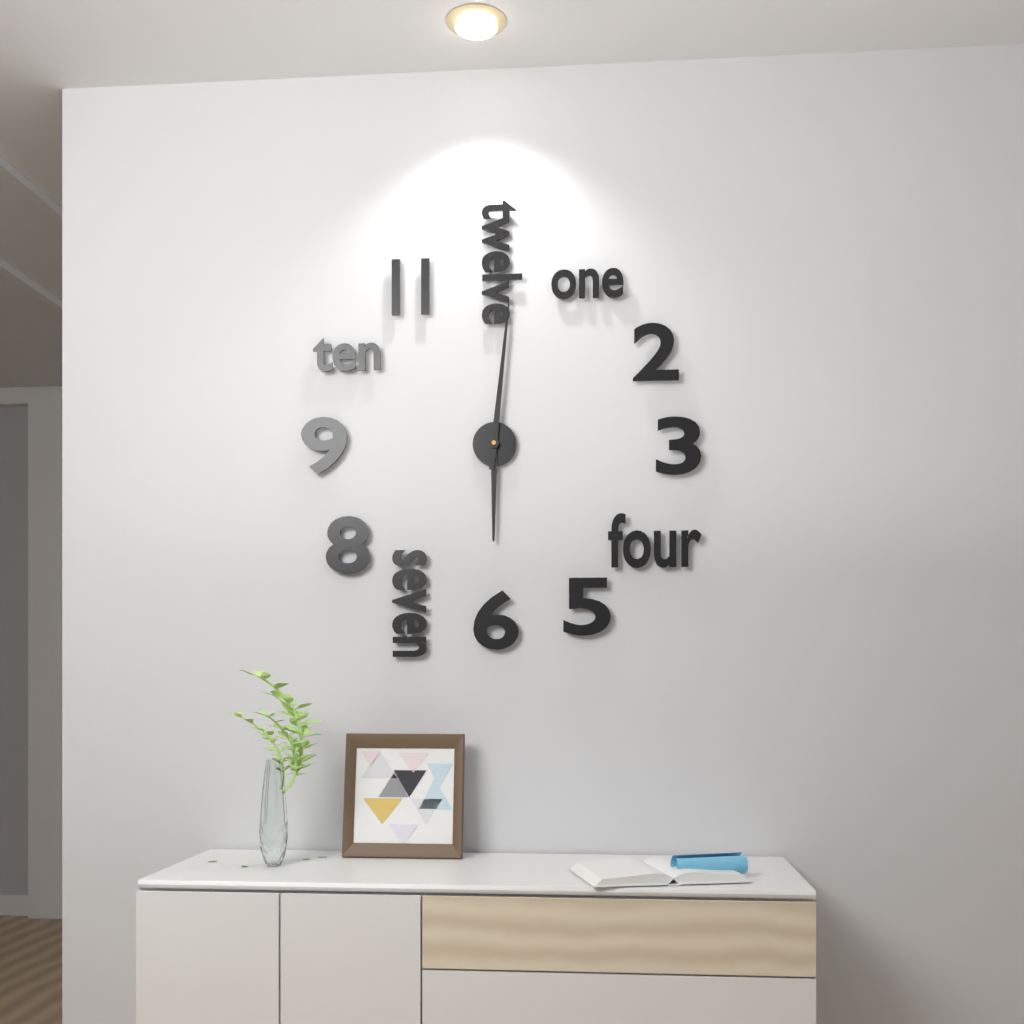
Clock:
{"hour": 6, "minute": 1}
